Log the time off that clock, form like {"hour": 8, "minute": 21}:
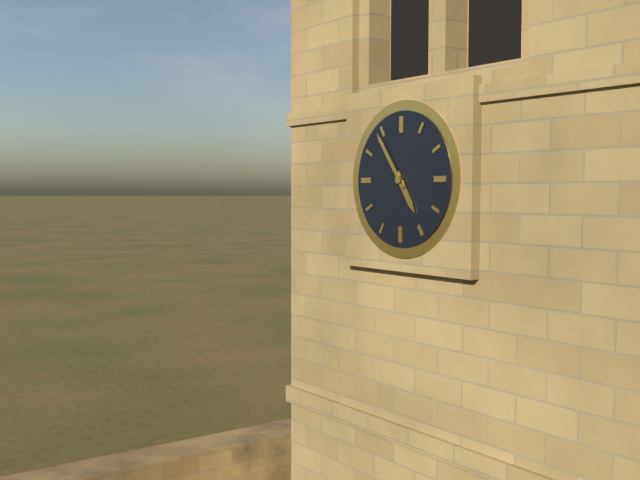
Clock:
{"hour": 4, "minute": 54}
